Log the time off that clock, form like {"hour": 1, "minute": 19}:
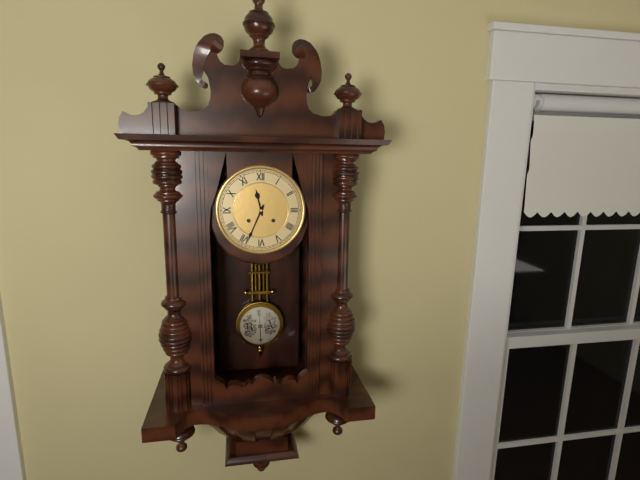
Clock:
{"hour": 11, "minute": 34}
